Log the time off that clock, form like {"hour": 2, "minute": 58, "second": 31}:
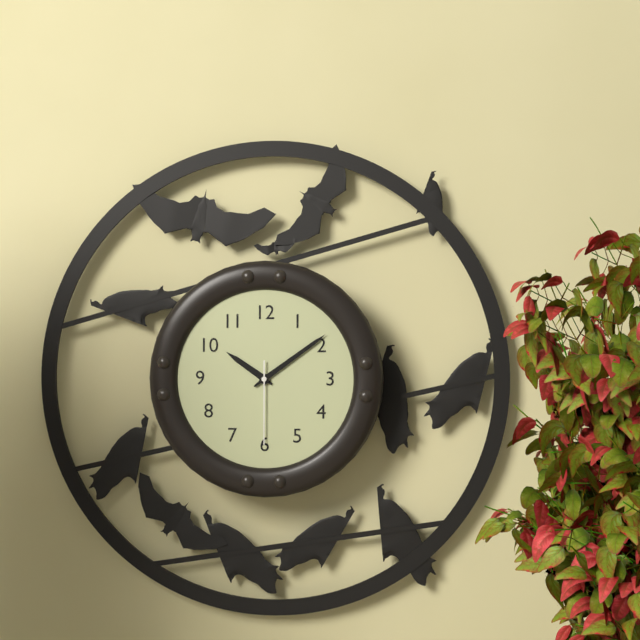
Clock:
{"hour": 10, "minute": 9, "second": 30}
